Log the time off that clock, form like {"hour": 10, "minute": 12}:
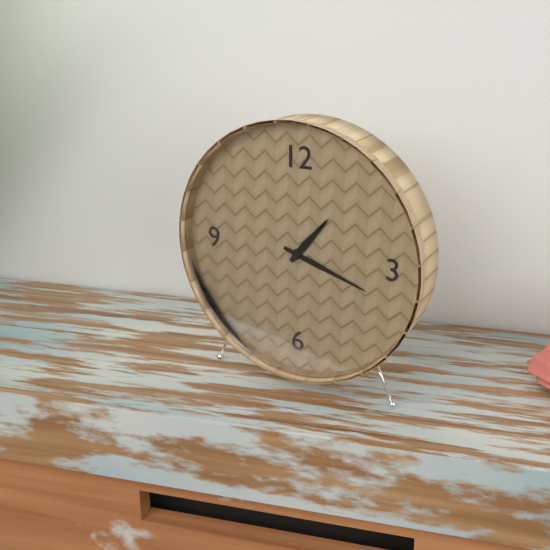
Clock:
{"hour": 1, "minute": 18}
